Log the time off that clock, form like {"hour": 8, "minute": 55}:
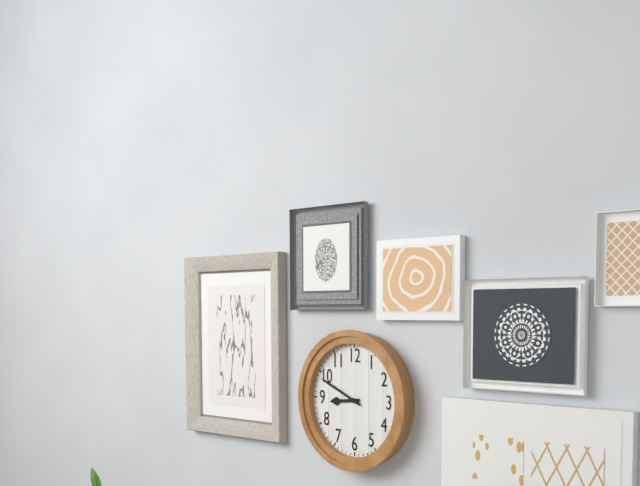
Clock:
{"hour": 8, "minute": 49}
